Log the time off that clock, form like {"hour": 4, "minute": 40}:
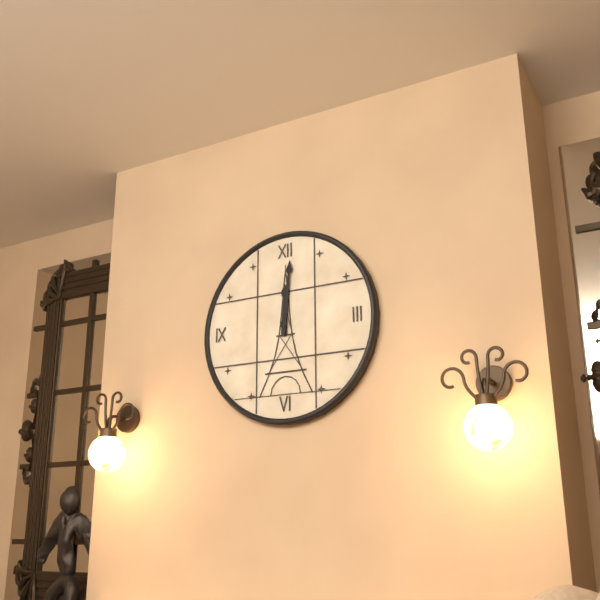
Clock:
{"hour": 12, "minute": 1}
